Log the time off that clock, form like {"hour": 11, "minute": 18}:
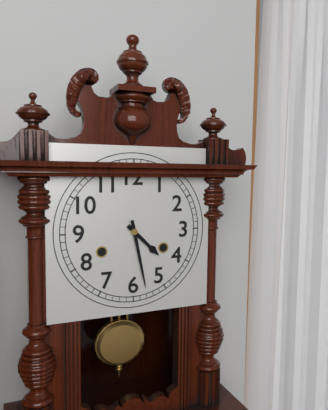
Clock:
{"hour": 4, "minute": 28}
